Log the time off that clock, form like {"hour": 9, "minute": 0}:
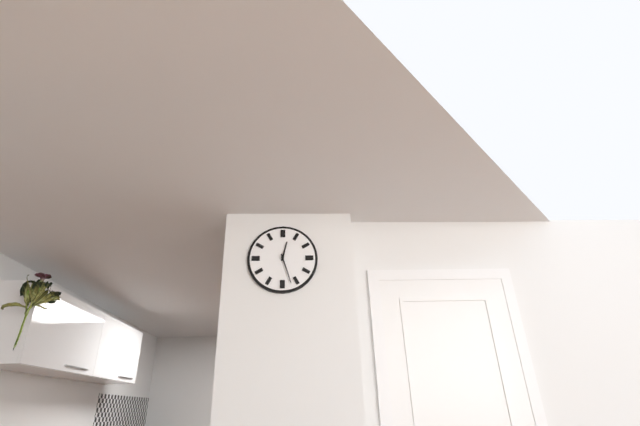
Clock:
{"hour": 12, "minute": 27}
